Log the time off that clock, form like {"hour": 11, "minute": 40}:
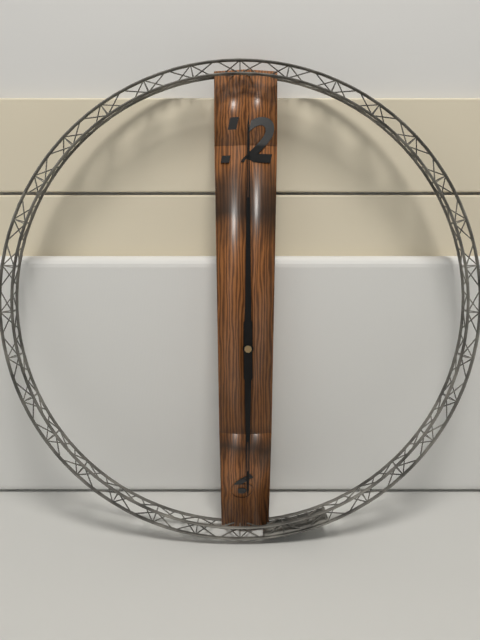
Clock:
{"hour": 6, "minute": 0}
